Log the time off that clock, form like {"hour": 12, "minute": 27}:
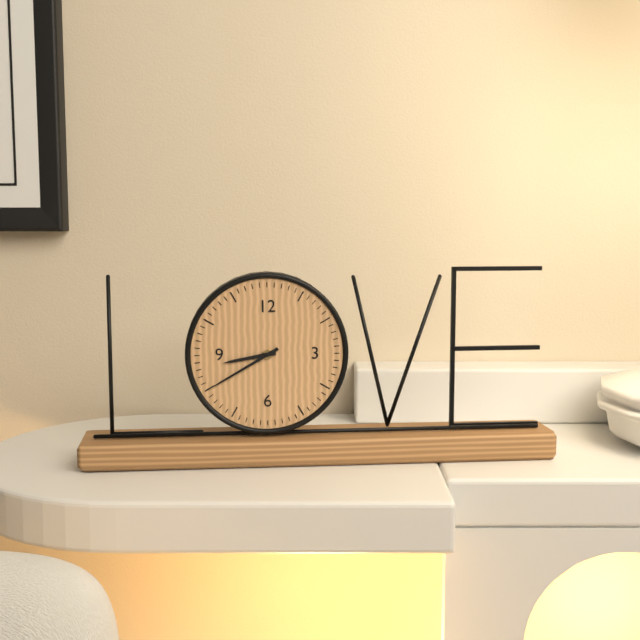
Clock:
{"hour": 8, "minute": 40}
